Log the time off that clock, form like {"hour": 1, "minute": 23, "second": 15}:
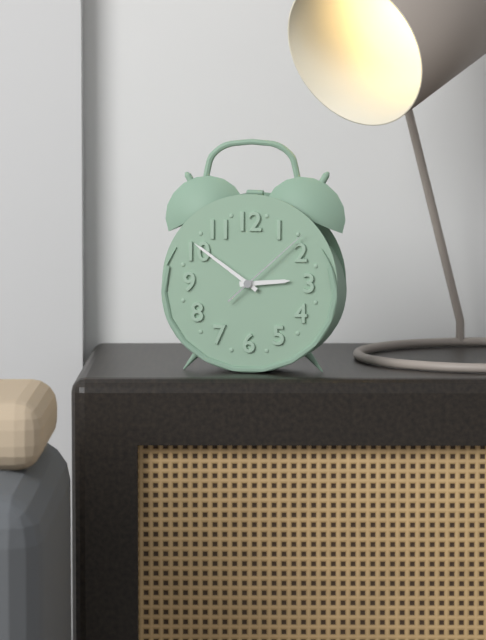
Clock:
{"hour": 2, "minute": 51, "second": 8}
